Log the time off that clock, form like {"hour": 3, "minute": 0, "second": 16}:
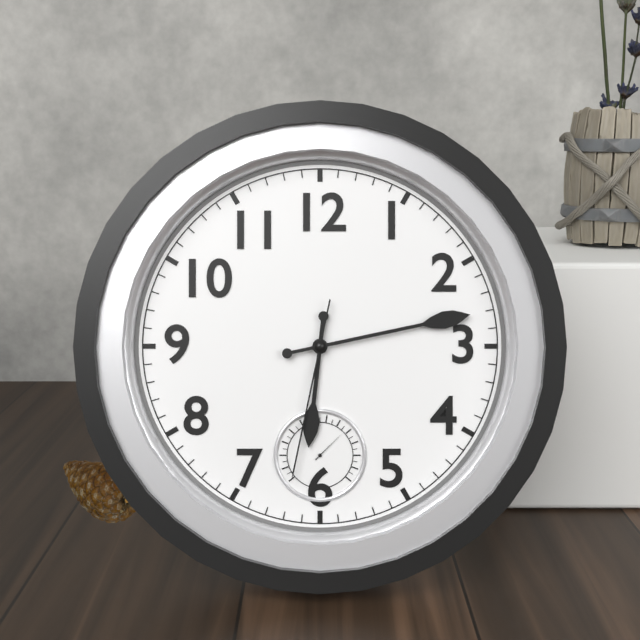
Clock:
{"hour": 6, "minute": 13, "second": 32}
